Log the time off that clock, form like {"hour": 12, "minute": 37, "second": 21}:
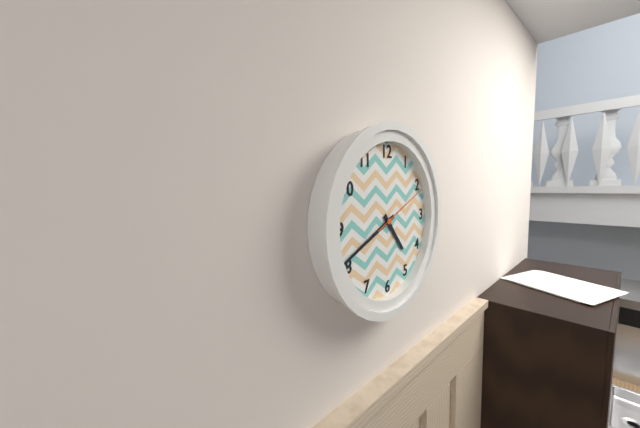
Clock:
{"hour": 4, "minute": 41, "second": 11}
